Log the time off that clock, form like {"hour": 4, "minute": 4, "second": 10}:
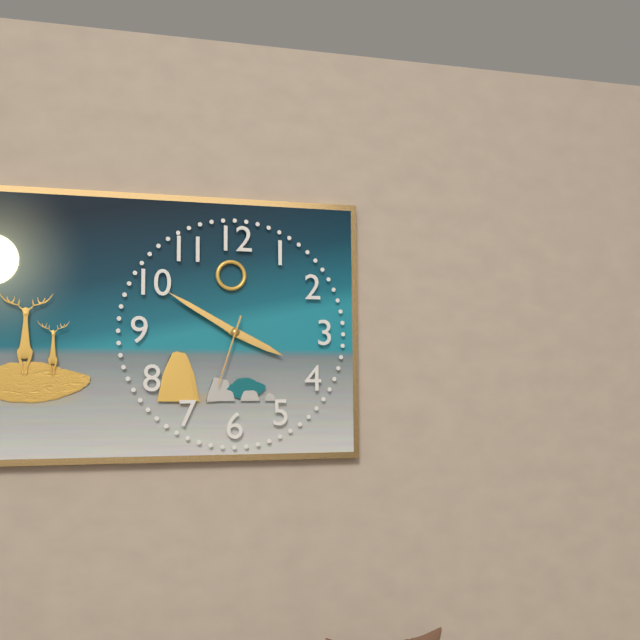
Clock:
{"hour": 3, "minute": 50, "second": 33}
